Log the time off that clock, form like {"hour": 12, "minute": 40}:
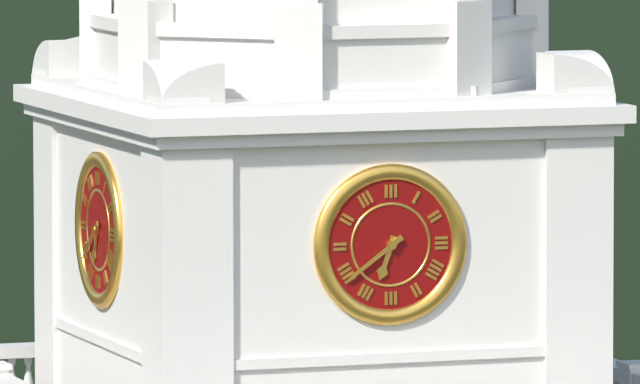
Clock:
{"hour": 6, "minute": 39}
